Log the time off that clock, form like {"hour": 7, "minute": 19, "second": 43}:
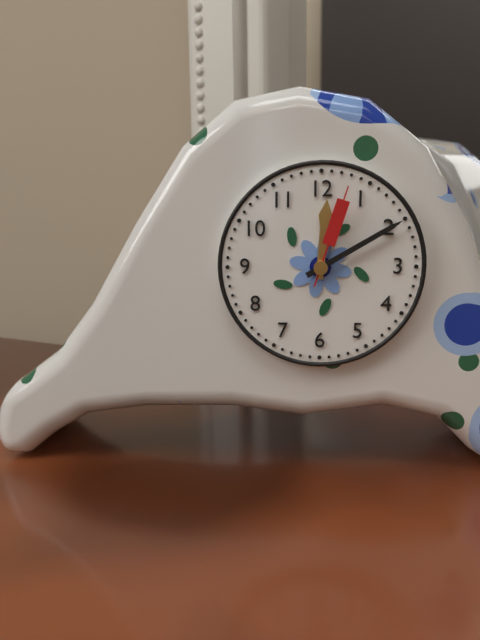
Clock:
{"hour": 12, "minute": 10, "second": 3}
